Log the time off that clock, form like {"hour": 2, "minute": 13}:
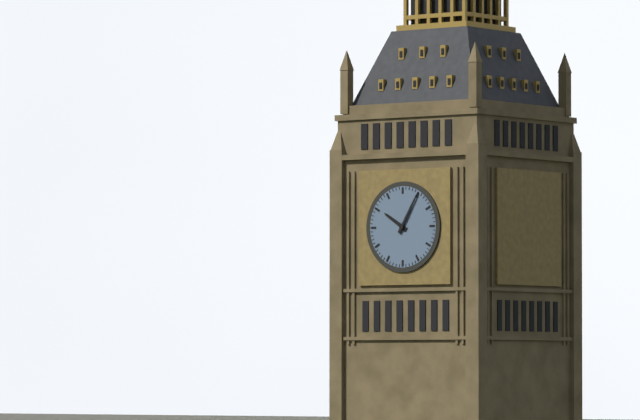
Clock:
{"hour": 10, "minute": 5}
